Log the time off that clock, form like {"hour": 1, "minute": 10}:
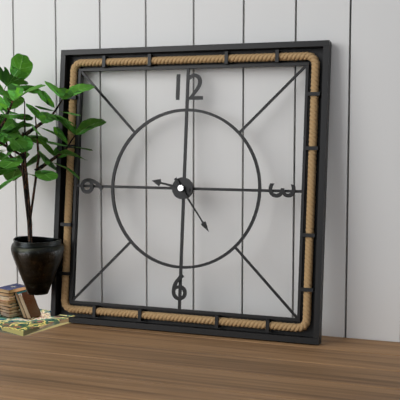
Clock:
{"hour": 9, "minute": 24}
